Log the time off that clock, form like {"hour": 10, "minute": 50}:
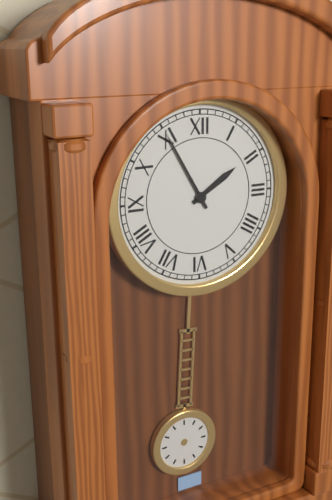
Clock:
{"hour": 1, "minute": 55}
